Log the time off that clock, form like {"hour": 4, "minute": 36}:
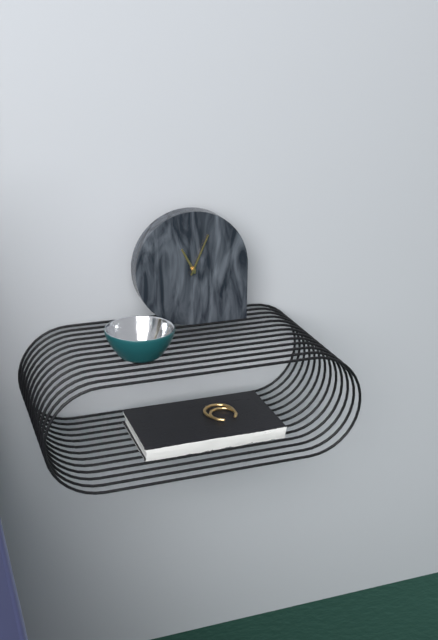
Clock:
{"hour": 11, "minute": 4}
